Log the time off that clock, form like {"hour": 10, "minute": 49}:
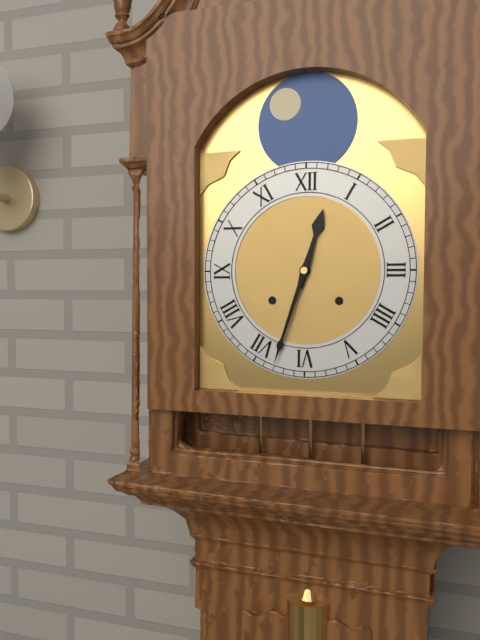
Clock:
{"hour": 12, "minute": 33}
